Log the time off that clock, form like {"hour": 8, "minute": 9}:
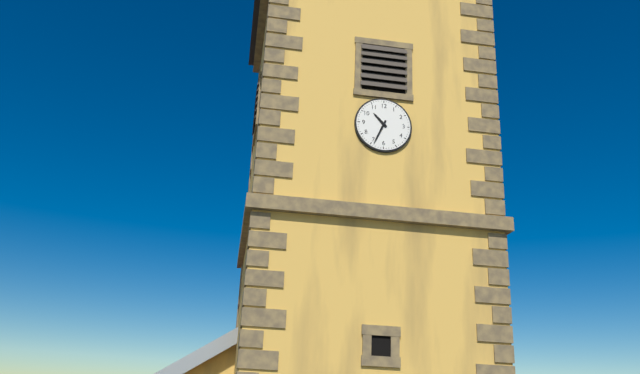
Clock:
{"hour": 10, "minute": 34}
